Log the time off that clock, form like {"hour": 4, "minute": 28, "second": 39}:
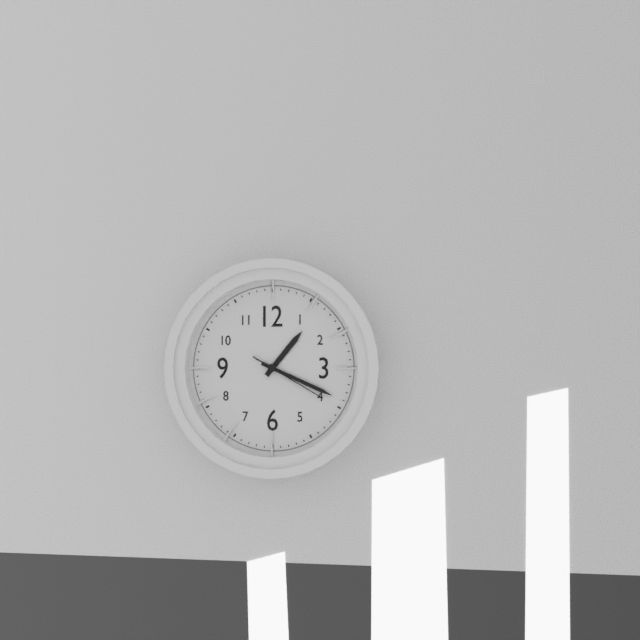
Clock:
{"hour": 1, "minute": 19, "second": 20}
